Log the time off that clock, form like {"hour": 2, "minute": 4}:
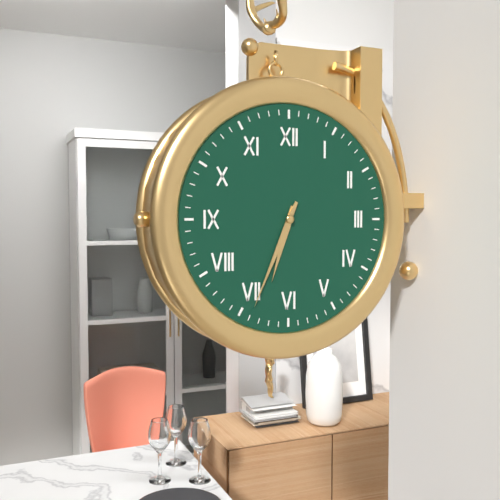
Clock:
{"hour": 6, "minute": 34}
